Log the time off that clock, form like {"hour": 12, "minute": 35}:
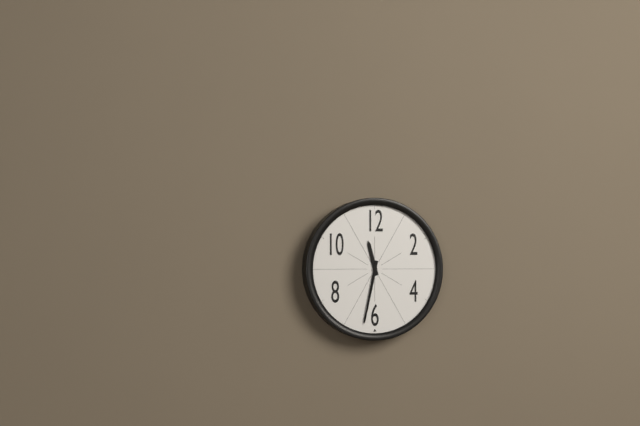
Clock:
{"hour": 11, "minute": 32}
